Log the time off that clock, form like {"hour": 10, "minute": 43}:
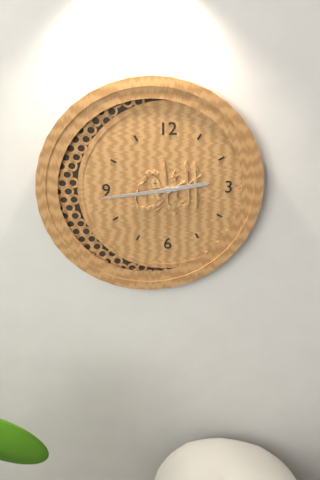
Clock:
{"hour": 2, "minute": 44}
